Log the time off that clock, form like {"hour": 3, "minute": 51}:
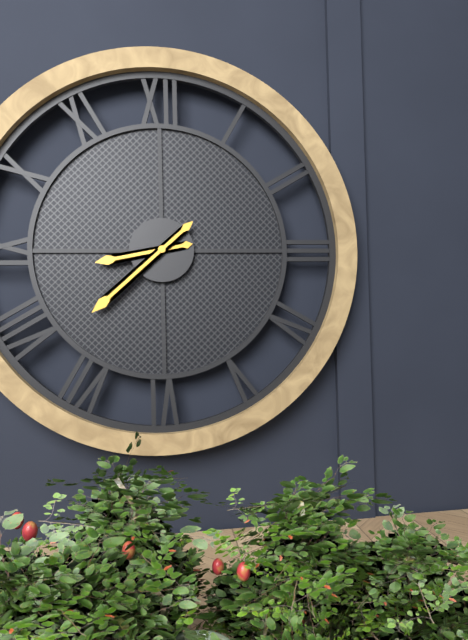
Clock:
{"hour": 8, "minute": 38}
